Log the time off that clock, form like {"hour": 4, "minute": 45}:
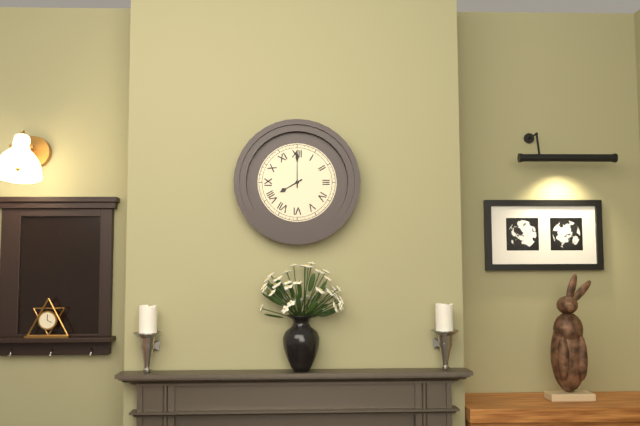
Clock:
{"hour": 8, "minute": 0}
